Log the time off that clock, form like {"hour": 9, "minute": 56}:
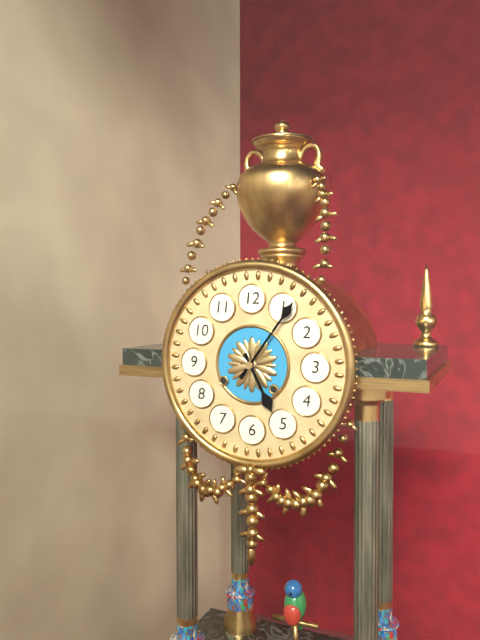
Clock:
{"hour": 5, "minute": 6}
